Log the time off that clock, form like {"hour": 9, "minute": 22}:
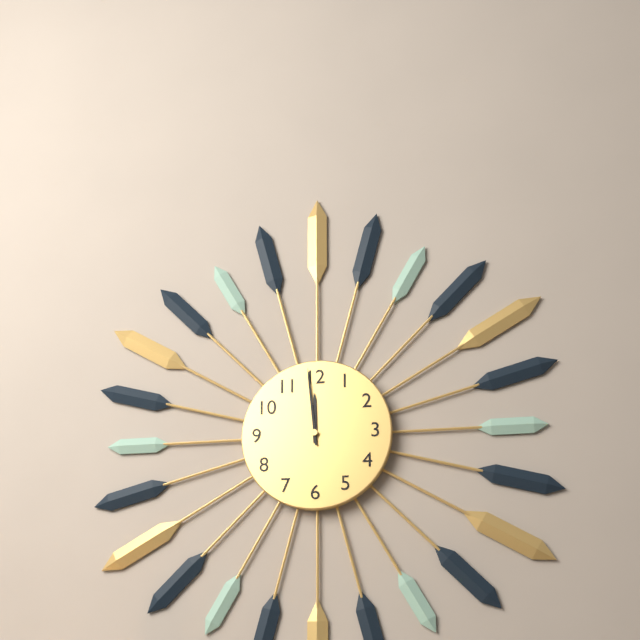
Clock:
{"hour": 11, "minute": 59}
